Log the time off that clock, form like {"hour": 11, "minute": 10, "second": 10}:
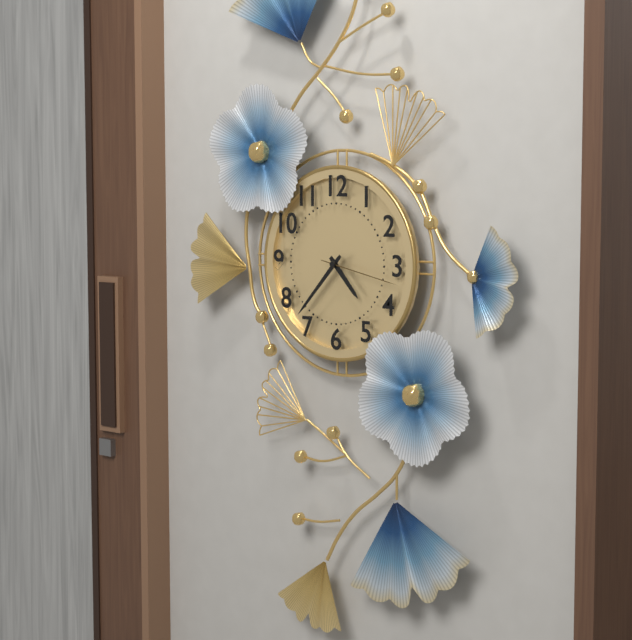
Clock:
{"hour": 4, "minute": 37, "second": 17}
